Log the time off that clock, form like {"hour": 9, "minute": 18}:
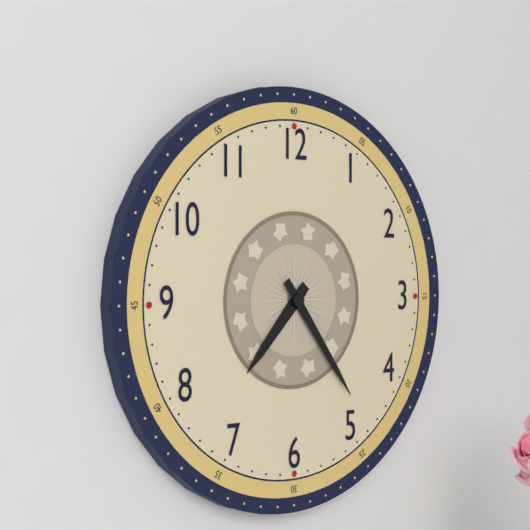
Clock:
{"hour": 7, "minute": 24}
